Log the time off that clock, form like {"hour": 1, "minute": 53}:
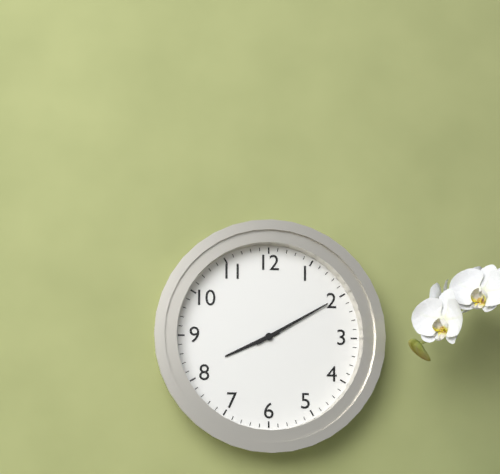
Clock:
{"hour": 8, "minute": 10}
